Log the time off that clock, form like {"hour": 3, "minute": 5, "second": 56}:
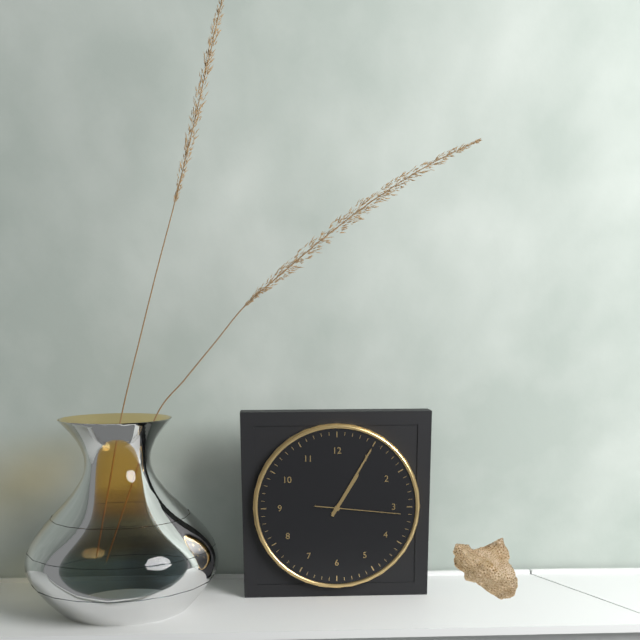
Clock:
{"hour": 1, "minute": 5, "second": 16}
